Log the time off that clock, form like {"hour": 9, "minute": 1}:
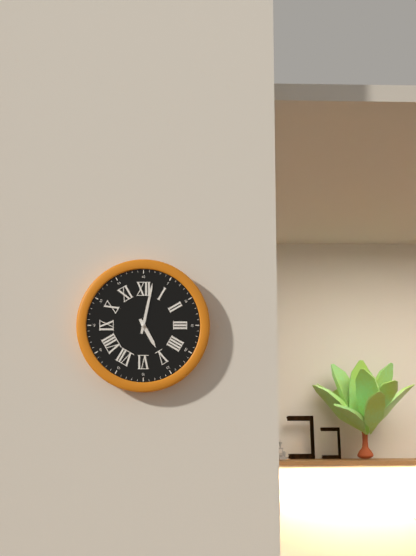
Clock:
{"hour": 5, "minute": 2}
